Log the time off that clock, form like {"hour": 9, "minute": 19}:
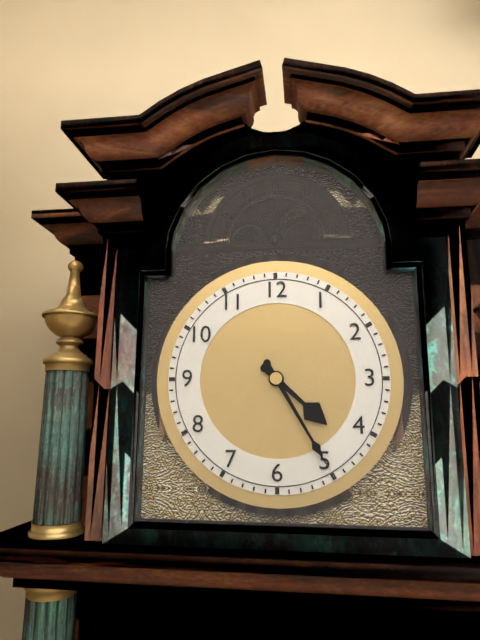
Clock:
{"hour": 4, "minute": 25}
